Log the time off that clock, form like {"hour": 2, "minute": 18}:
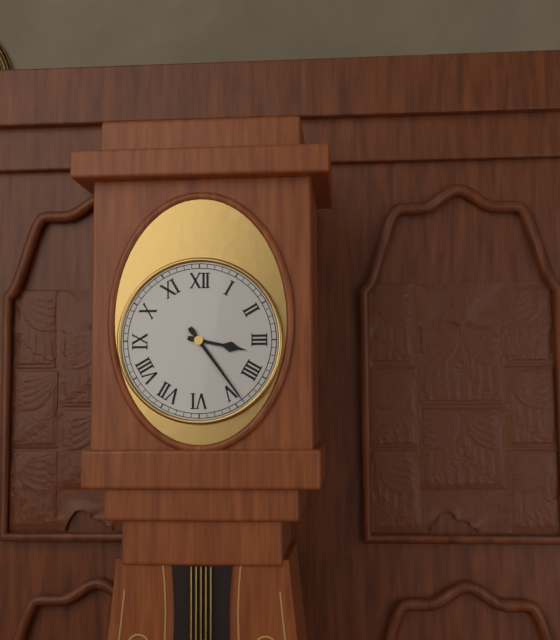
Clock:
{"hour": 3, "minute": 24}
